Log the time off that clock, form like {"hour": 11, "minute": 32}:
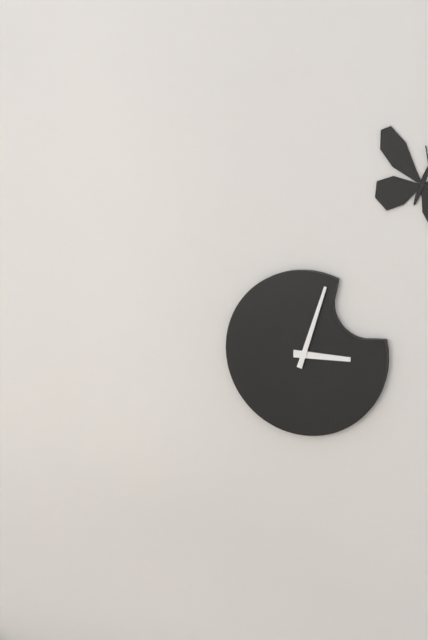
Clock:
{"hour": 3, "minute": 3}
